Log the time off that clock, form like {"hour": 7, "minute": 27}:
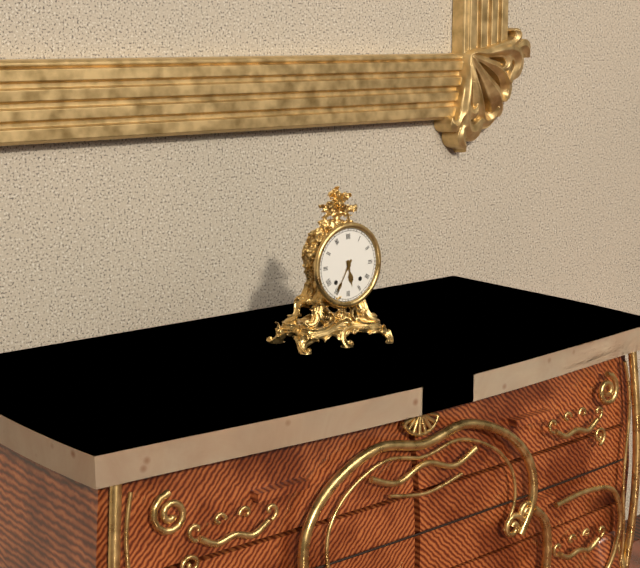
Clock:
{"hour": 5, "minute": 35}
